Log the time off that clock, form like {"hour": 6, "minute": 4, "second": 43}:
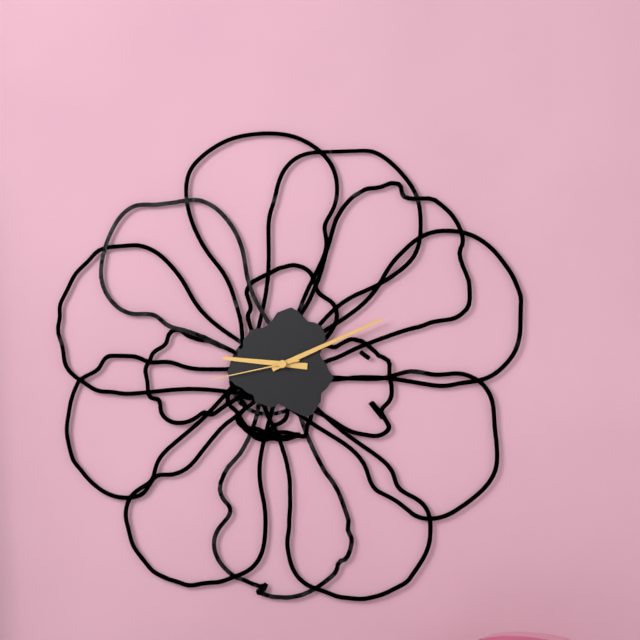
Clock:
{"hour": 9, "minute": 11, "second": 43}
